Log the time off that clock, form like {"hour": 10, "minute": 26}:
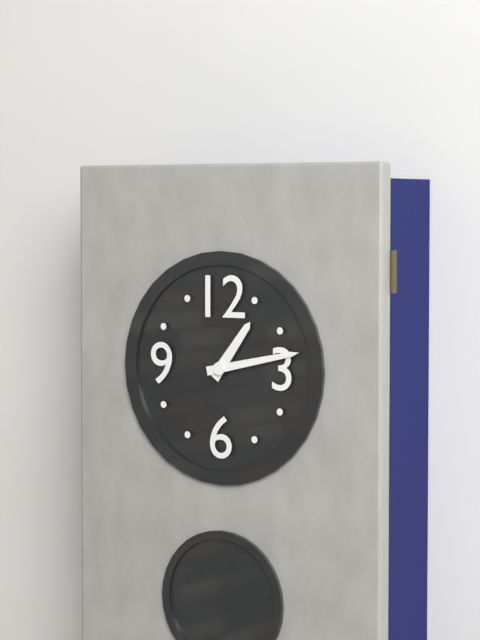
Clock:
{"hour": 1, "minute": 13}
